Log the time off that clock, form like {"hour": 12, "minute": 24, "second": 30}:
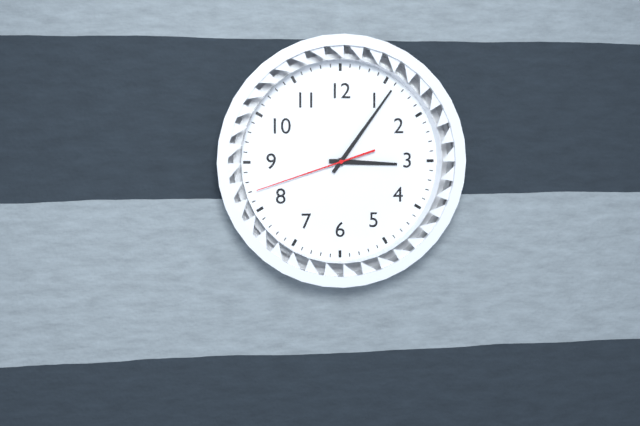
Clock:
{"hour": 3, "minute": 6, "second": 42}
